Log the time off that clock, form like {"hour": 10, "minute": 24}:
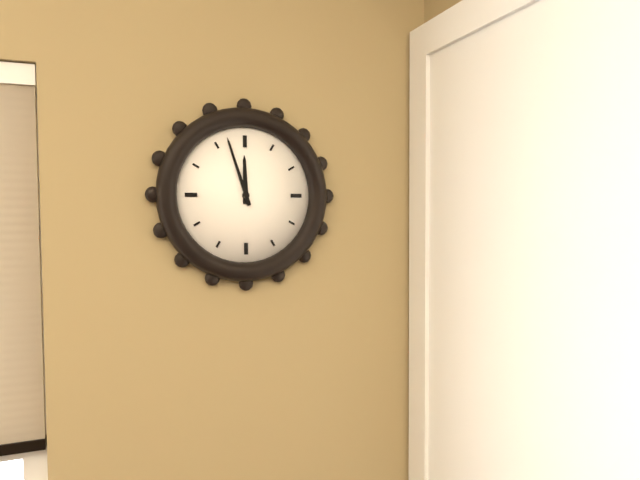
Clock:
{"hour": 11, "minute": 57}
